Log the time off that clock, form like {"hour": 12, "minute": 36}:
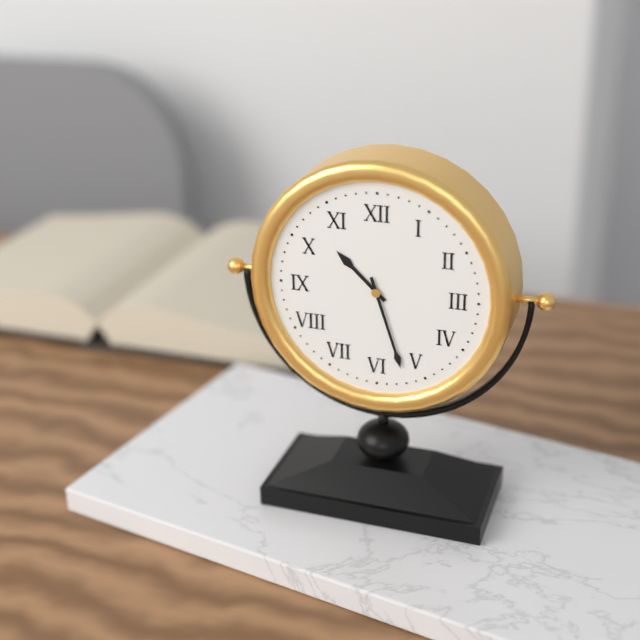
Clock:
{"hour": 10, "minute": 27}
